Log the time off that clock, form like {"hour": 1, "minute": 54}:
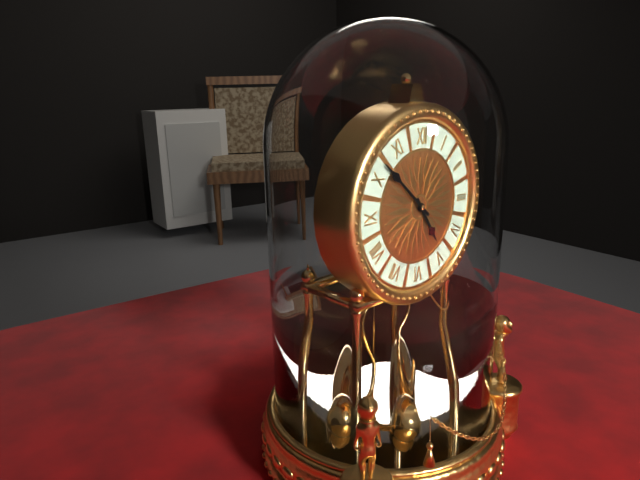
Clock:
{"hour": 4, "minute": 52}
